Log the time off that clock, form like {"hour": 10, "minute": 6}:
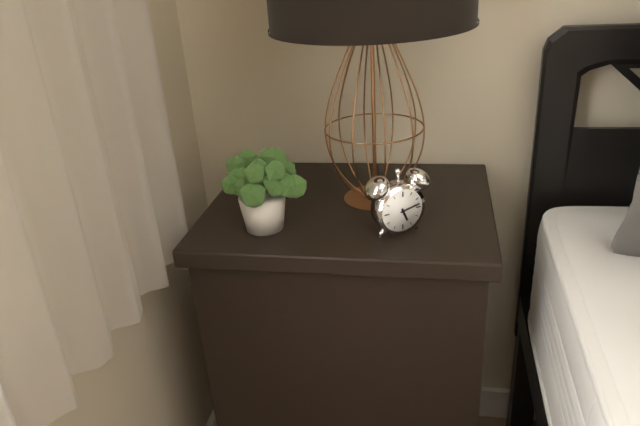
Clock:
{"hour": 5, "minute": 13}
